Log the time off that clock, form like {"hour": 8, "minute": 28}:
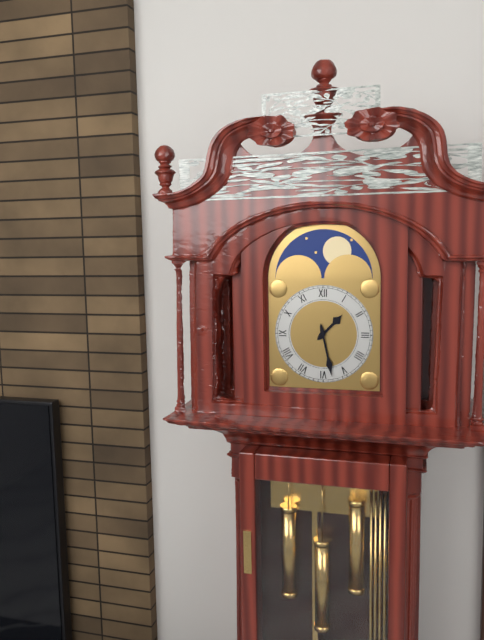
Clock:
{"hour": 1, "minute": 28}
